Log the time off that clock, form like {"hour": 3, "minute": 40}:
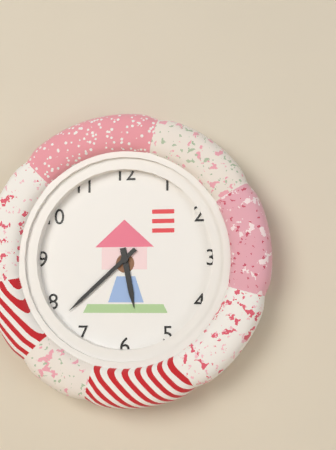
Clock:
{"hour": 5, "minute": 38}
